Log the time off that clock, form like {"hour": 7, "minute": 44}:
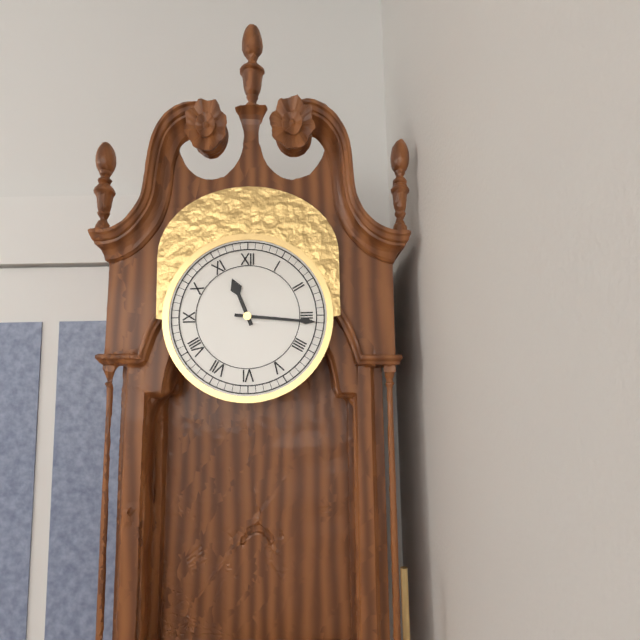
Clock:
{"hour": 11, "minute": 16}
